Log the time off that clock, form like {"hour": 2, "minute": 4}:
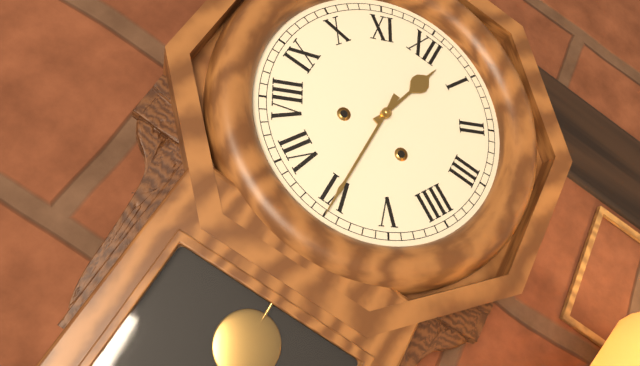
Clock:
{"hour": 12, "minute": 30}
